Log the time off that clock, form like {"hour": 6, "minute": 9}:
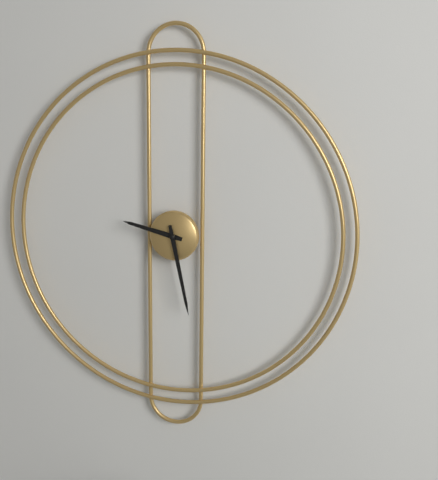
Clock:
{"hour": 9, "minute": 28}
